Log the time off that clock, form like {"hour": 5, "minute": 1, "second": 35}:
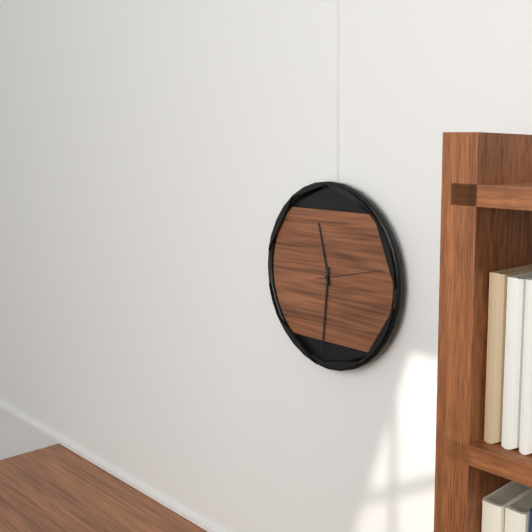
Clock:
{"hour": 11, "minute": 31, "second": 13}
